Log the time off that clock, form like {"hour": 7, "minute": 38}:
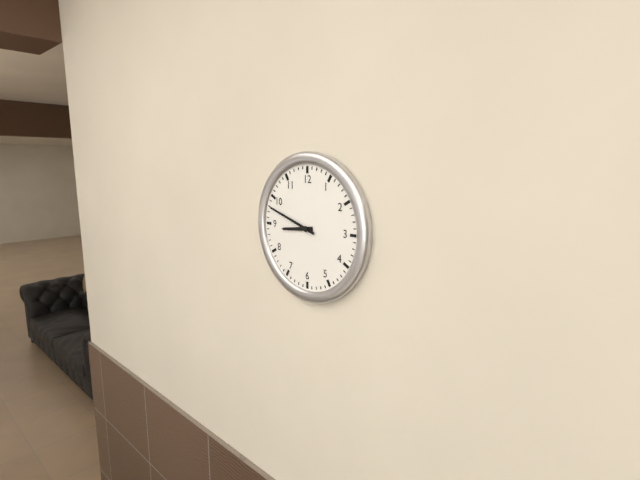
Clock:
{"hour": 8, "minute": 48}
